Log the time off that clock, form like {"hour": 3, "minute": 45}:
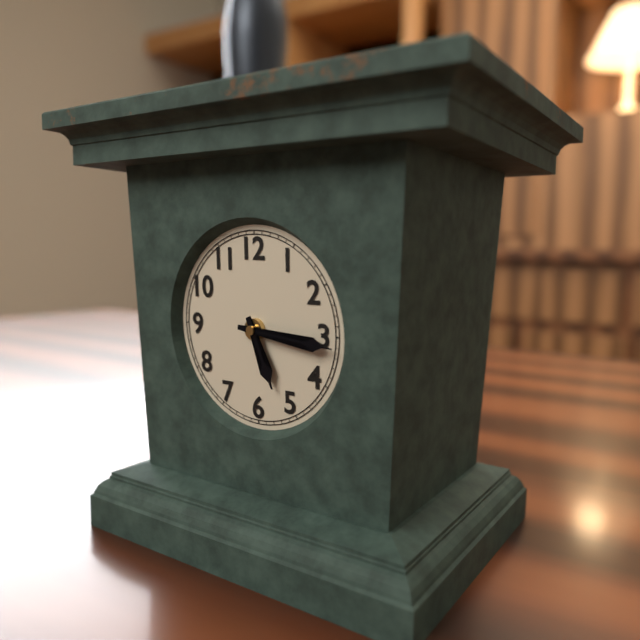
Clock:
{"hour": 5, "minute": 16}
